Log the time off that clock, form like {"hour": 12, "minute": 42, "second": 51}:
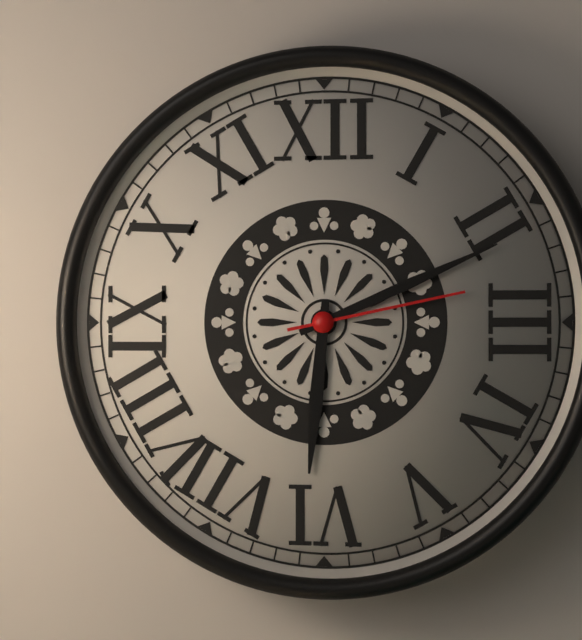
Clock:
{"hour": 6, "minute": 11, "second": 13}
